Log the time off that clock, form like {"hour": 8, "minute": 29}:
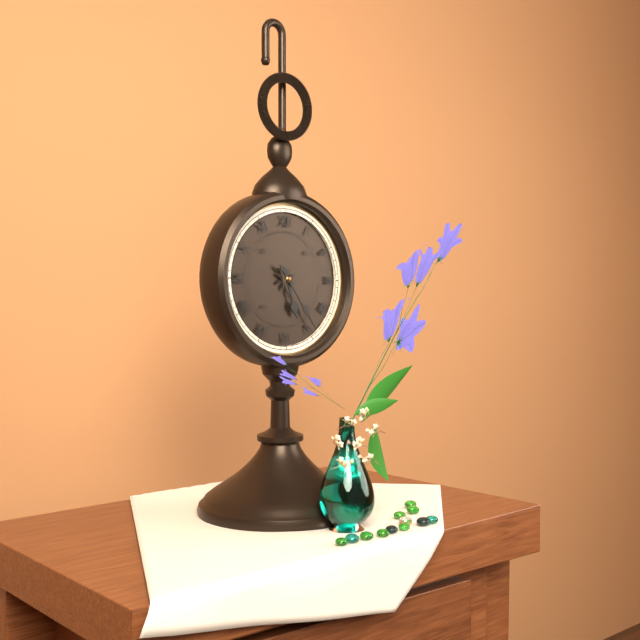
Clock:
{"hour": 5, "minute": 24}
